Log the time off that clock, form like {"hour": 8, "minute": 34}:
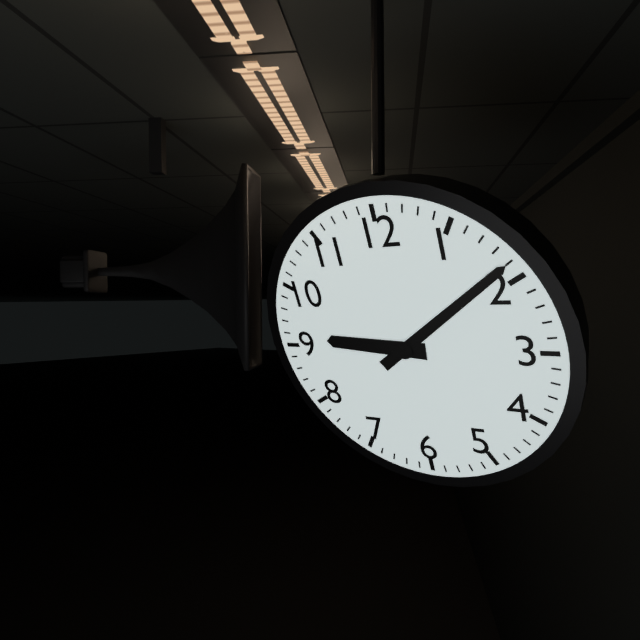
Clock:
{"hour": 9, "minute": 9}
